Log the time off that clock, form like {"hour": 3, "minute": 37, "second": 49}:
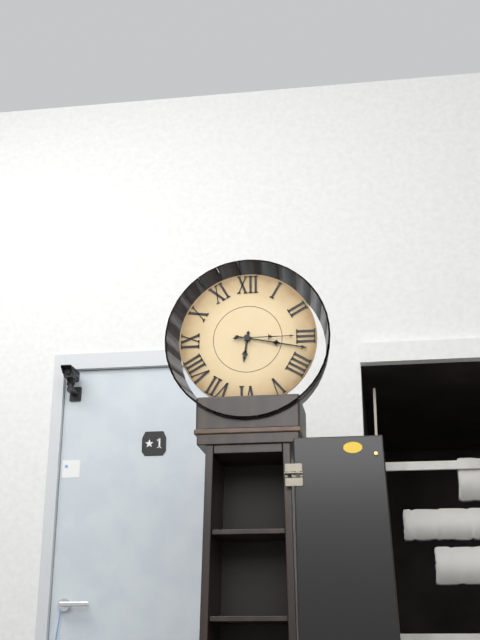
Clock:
{"hour": 6, "minute": 17, "second": 15}
